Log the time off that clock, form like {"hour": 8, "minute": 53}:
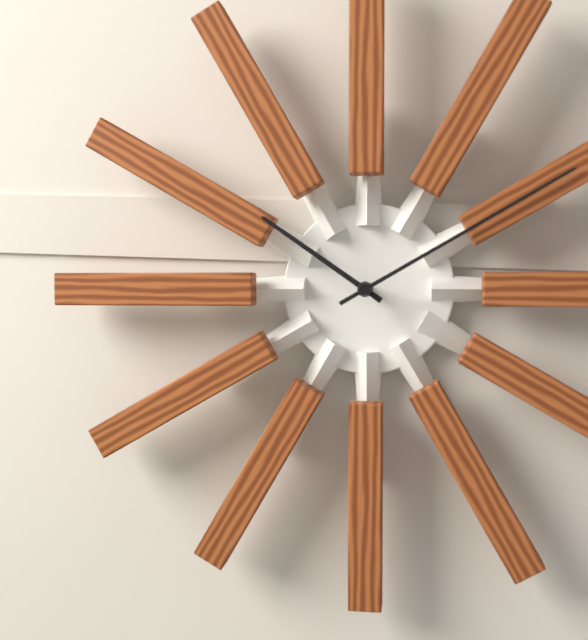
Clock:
{"hour": 10, "minute": 10}
